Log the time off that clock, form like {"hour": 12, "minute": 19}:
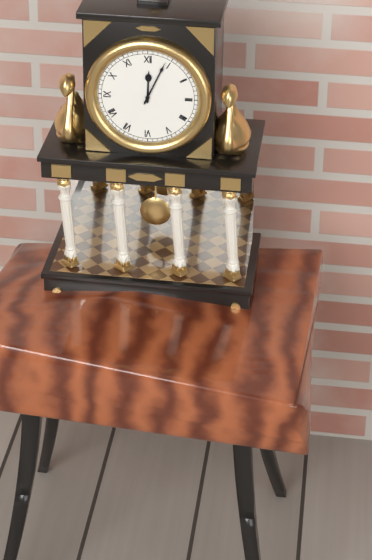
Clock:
{"hour": 12, "minute": 4}
